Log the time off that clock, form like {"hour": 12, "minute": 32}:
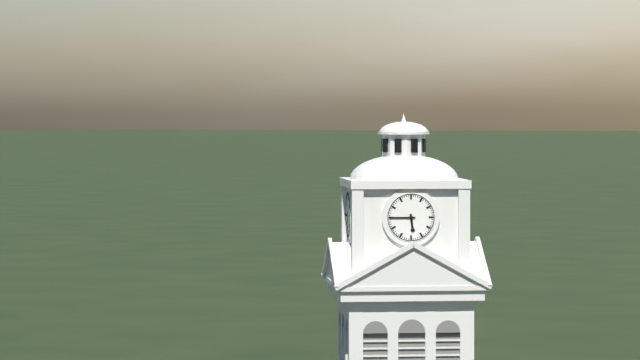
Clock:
{"hour": 5, "minute": 45}
